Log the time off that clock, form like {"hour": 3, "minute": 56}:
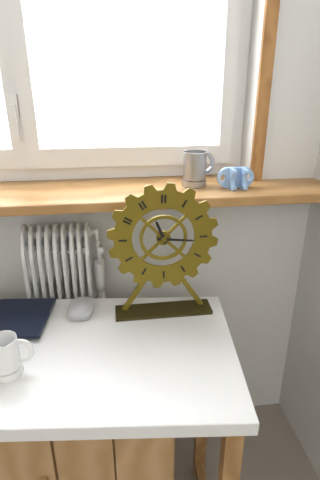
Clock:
{"hour": 11, "minute": 16}
